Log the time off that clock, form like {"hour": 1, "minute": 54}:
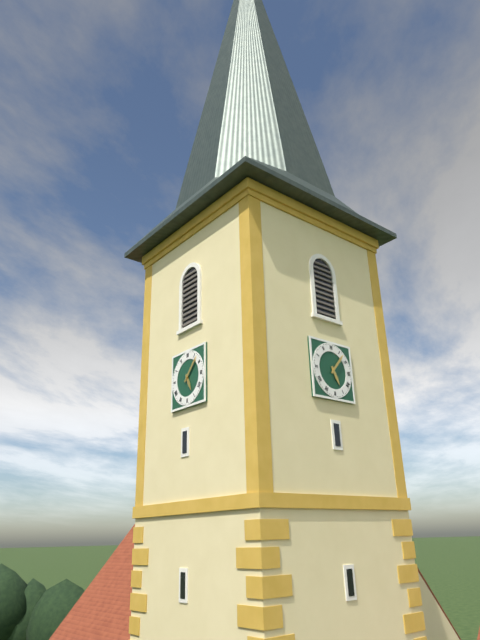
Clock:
{"hour": 5, "minute": 7}
